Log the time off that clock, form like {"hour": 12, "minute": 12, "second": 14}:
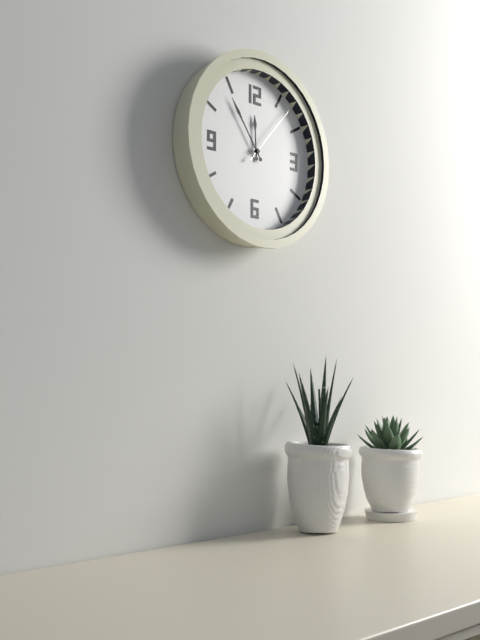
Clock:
{"hour": 11, "minute": 54, "second": 7}
